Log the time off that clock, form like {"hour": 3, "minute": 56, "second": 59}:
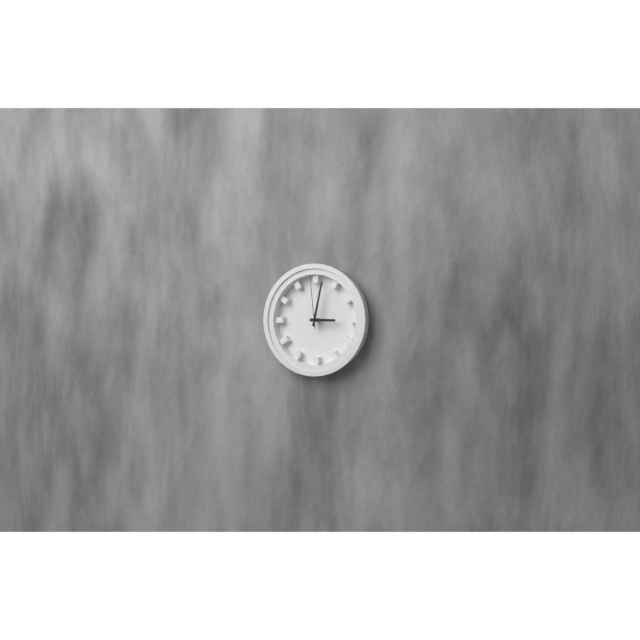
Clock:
{"hour": 3, "minute": 2, "second": 59}
